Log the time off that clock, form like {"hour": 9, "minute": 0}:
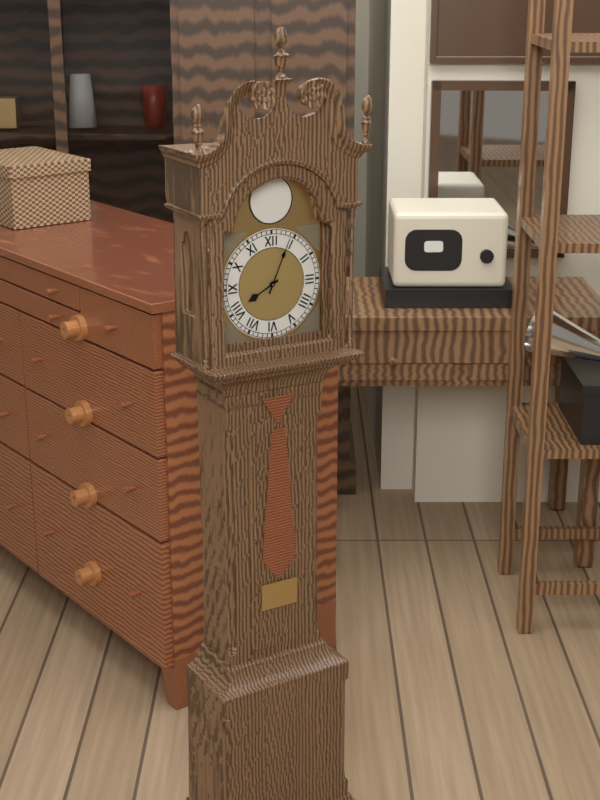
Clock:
{"hour": 8, "minute": 4}
